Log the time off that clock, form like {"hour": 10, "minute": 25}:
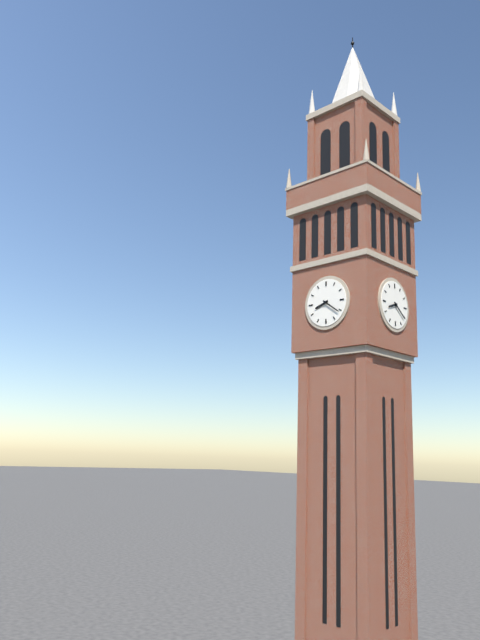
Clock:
{"hour": 8, "minute": 21}
